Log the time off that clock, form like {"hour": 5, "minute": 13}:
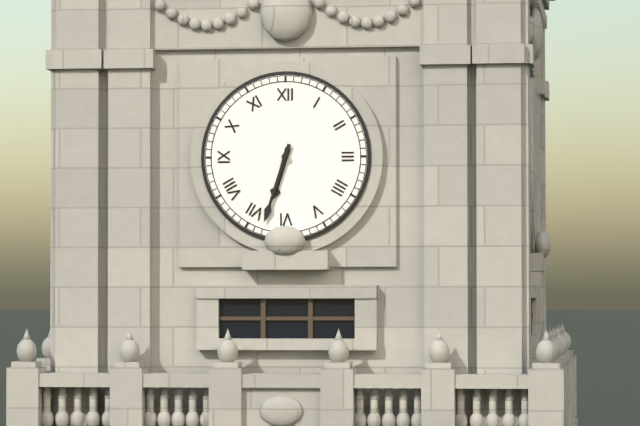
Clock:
{"hour": 6, "minute": 33}
